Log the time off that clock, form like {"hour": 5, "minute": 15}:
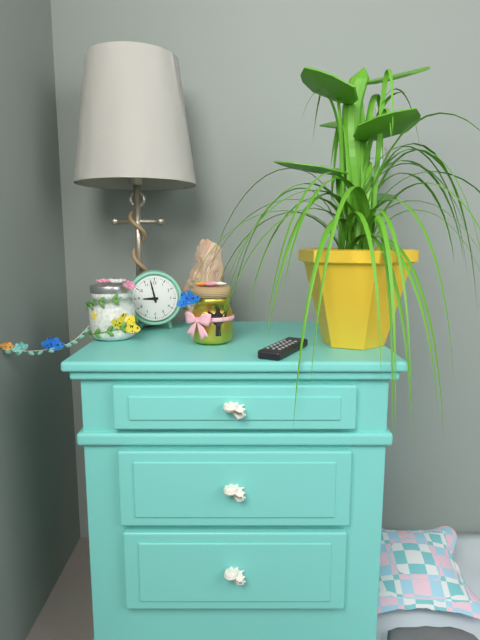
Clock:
{"hour": 8, "minute": 58}
